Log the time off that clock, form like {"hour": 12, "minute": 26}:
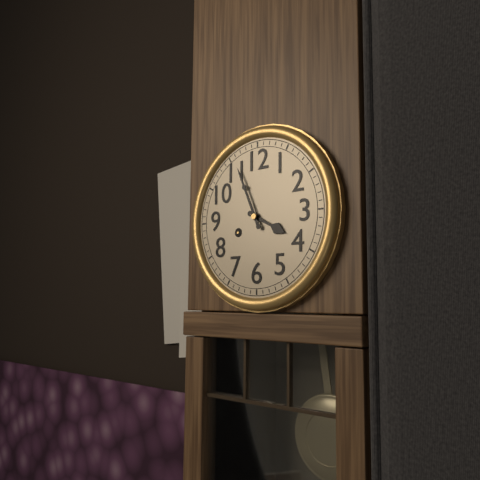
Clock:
{"hour": 3, "minute": 56}
